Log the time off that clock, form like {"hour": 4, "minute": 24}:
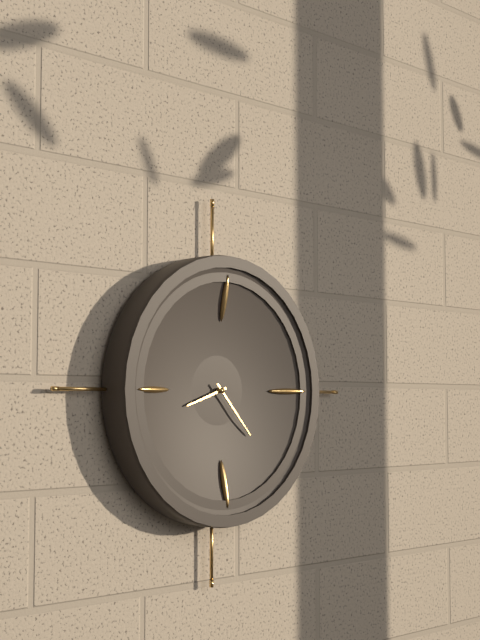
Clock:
{"hour": 8, "minute": 23}
